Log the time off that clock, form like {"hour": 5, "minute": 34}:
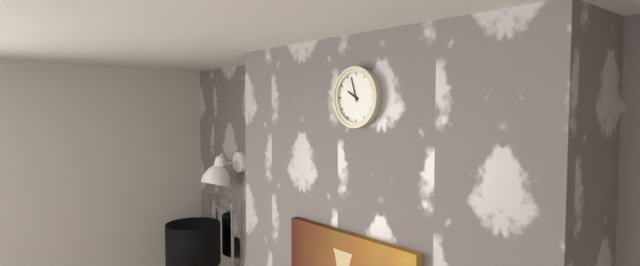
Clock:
{"hour": 9, "minute": 57}
